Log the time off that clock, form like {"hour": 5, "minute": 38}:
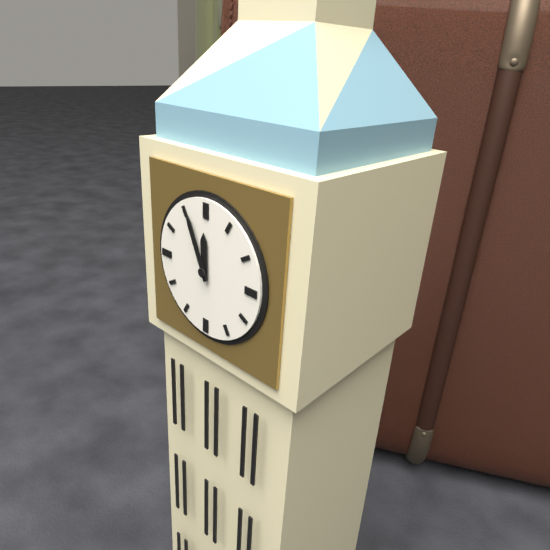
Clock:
{"hour": 11, "minute": 56}
